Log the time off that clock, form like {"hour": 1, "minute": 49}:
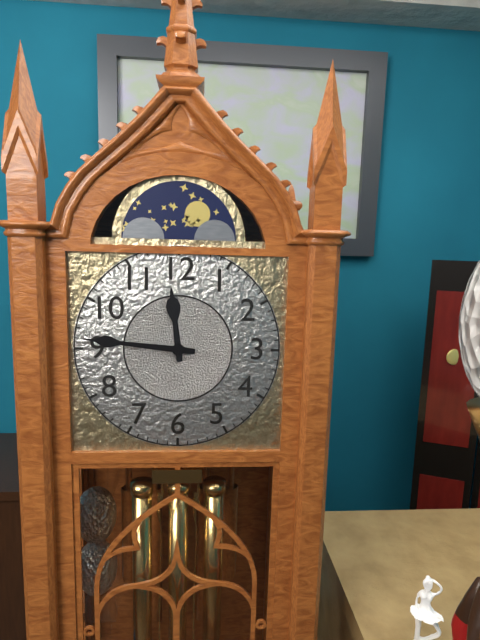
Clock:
{"hour": 11, "minute": 46}
